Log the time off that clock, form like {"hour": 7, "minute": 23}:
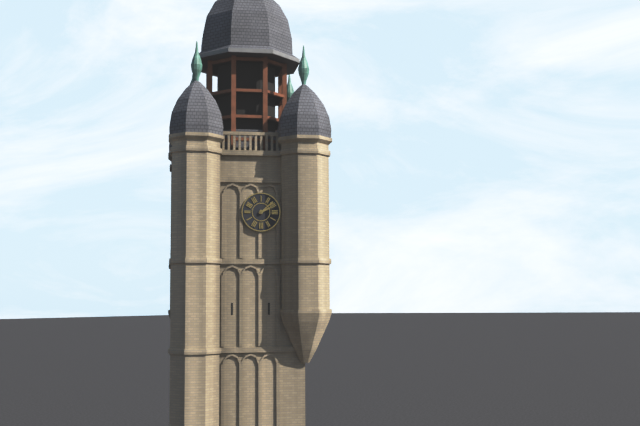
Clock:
{"hour": 2, "minute": 8}
